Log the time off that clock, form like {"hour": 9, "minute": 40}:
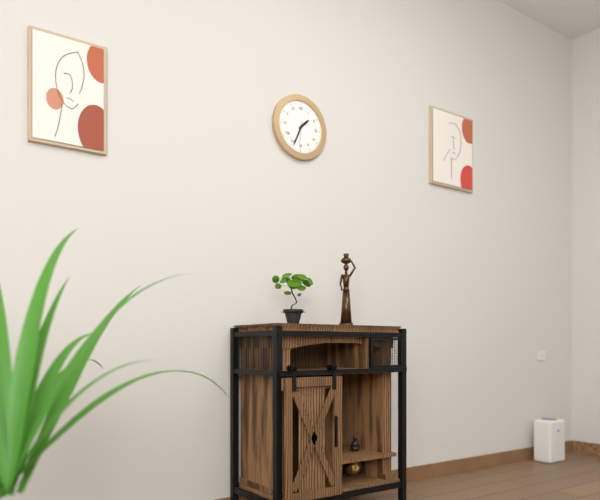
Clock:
{"hour": 1, "minute": 34}
